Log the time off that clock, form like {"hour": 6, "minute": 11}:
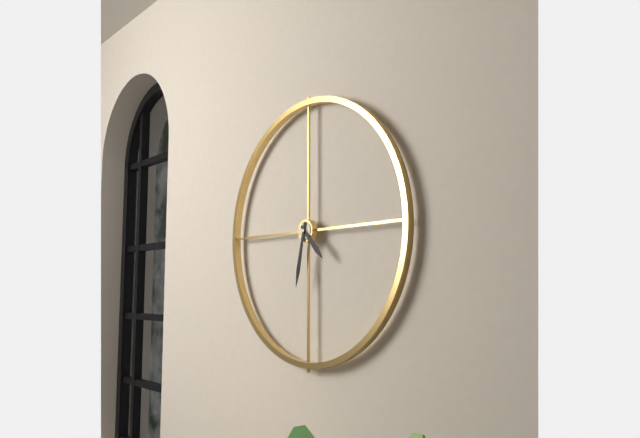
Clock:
{"hour": 4, "minute": 32}
